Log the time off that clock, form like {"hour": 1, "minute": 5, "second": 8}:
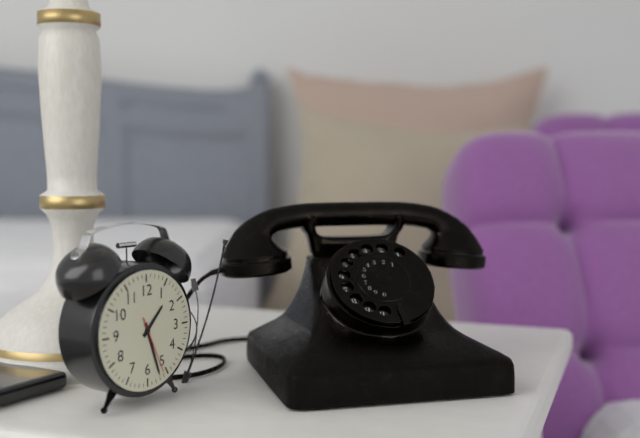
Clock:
{"hour": 1, "minute": 27, "second": 26}
